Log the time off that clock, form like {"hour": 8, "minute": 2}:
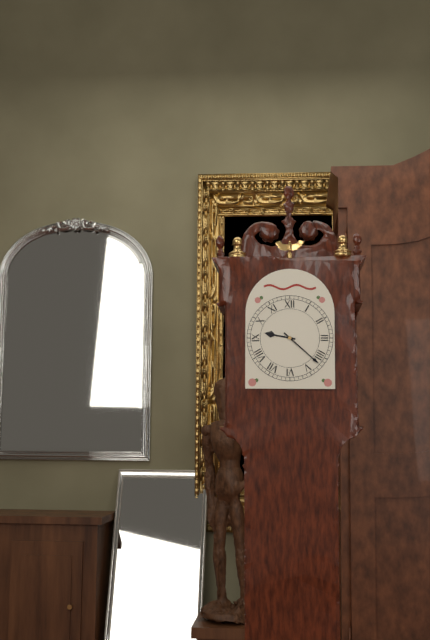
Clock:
{"hour": 9, "minute": 22}
